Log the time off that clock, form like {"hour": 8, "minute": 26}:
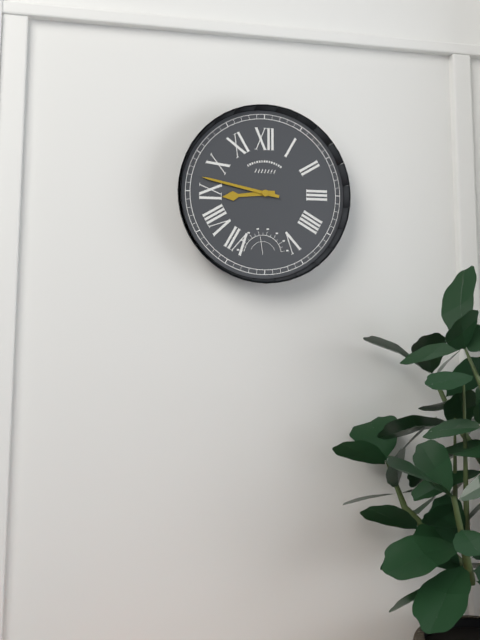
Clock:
{"hour": 8, "minute": 47}
